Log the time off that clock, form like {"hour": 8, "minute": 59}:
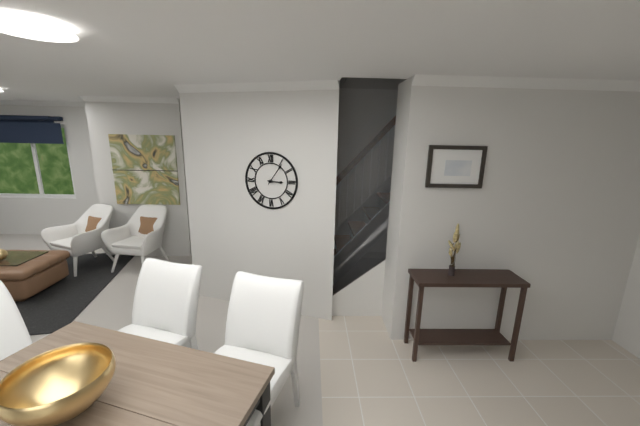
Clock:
{"hour": 3, "minute": 6}
